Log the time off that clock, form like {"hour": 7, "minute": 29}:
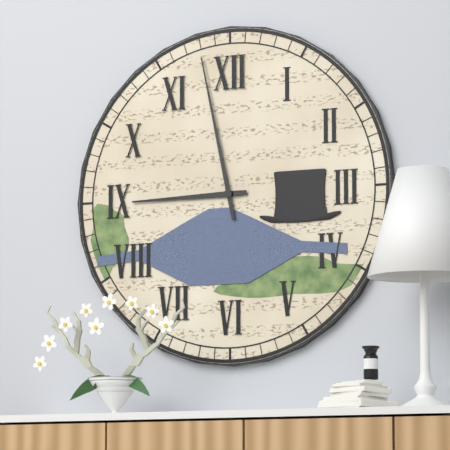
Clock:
{"hour": 8, "minute": 58}
